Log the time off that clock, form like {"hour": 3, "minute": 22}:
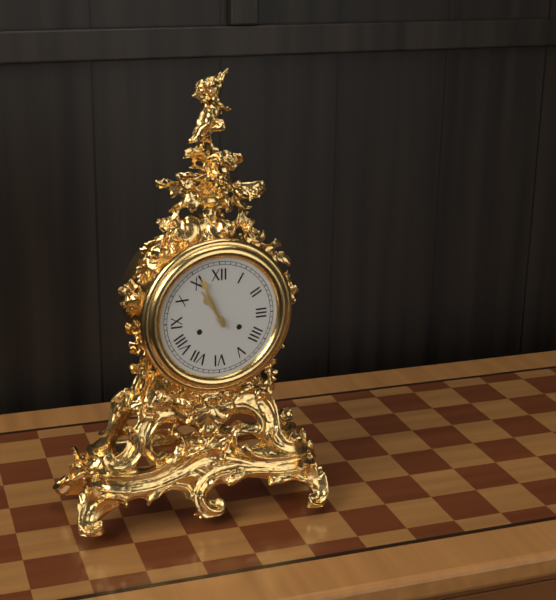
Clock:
{"hour": 10, "minute": 56}
